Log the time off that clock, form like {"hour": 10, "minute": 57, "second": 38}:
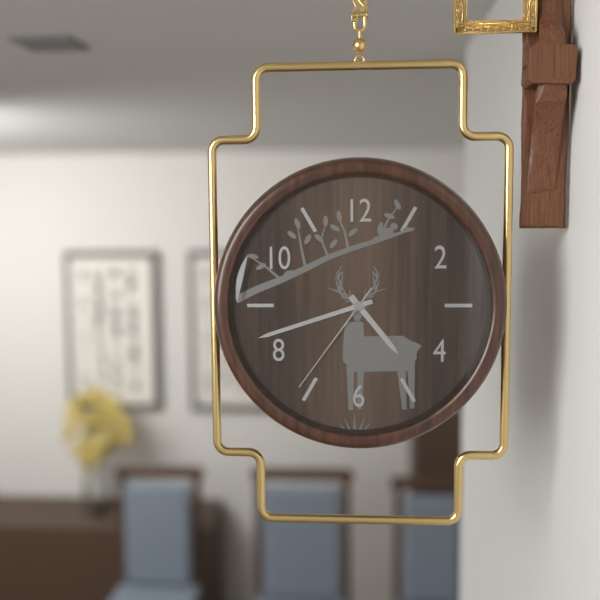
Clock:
{"hour": 4, "minute": 42, "second": 36}
